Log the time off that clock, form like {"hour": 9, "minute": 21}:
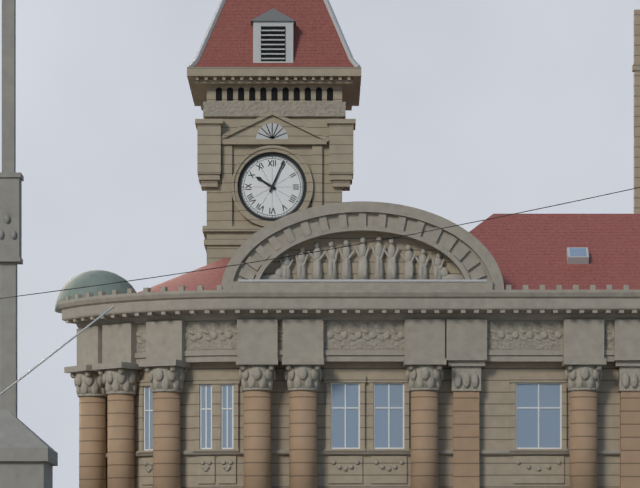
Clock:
{"hour": 10, "minute": 4}
